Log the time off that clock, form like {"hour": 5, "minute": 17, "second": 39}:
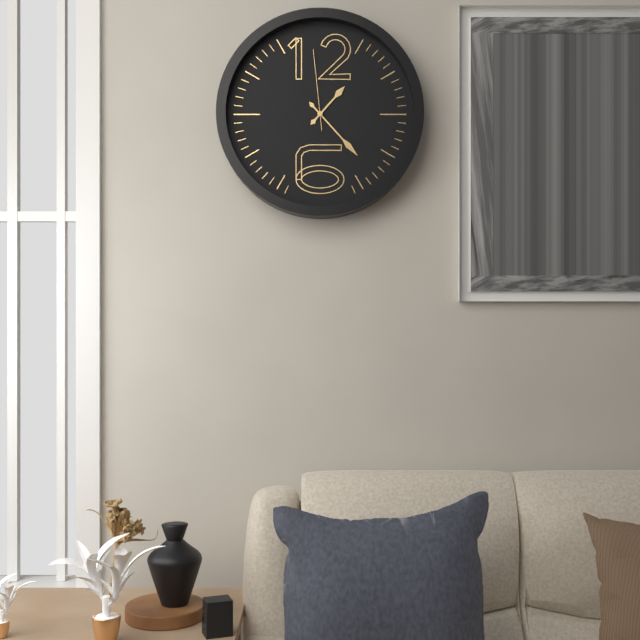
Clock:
{"hour": 1, "minute": 23, "second": 59}
